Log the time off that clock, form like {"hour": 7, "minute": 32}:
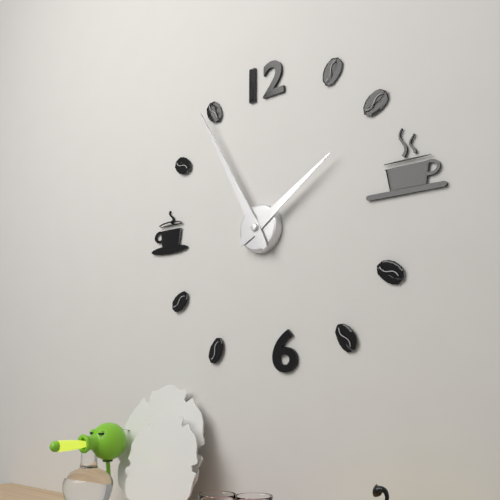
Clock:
{"hour": 1, "minute": 55}
